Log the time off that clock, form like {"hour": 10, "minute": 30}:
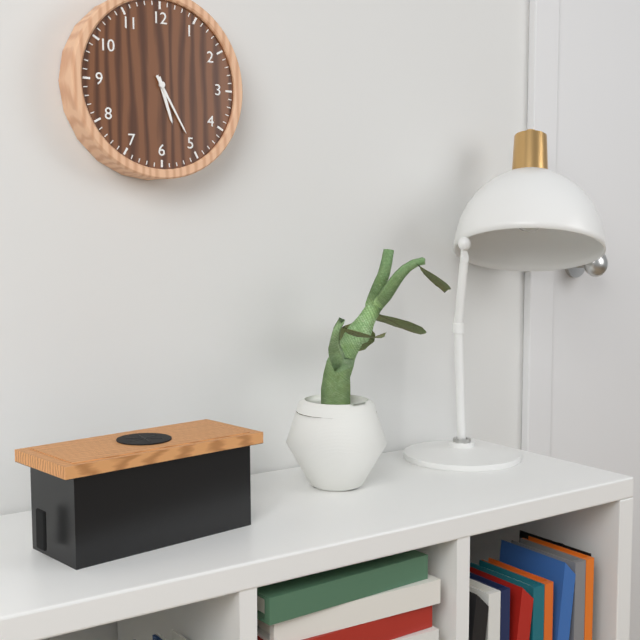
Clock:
{"hour": 5, "minute": 25}
